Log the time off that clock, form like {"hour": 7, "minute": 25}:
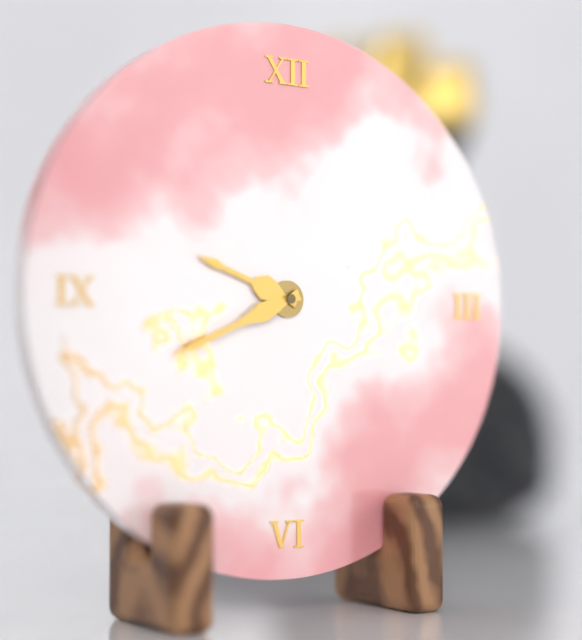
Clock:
{"hour": 9, "minute": 41}
